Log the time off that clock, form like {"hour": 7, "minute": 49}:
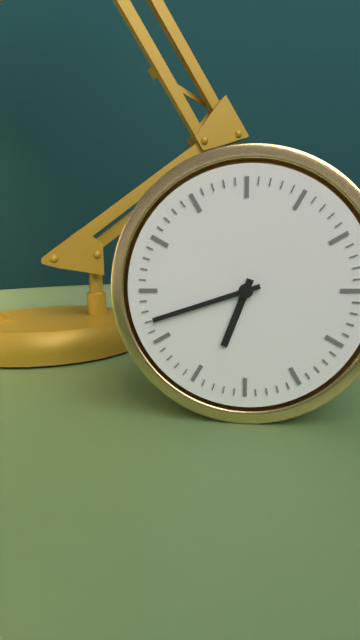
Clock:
{"hour": 6, "minute": 42}
